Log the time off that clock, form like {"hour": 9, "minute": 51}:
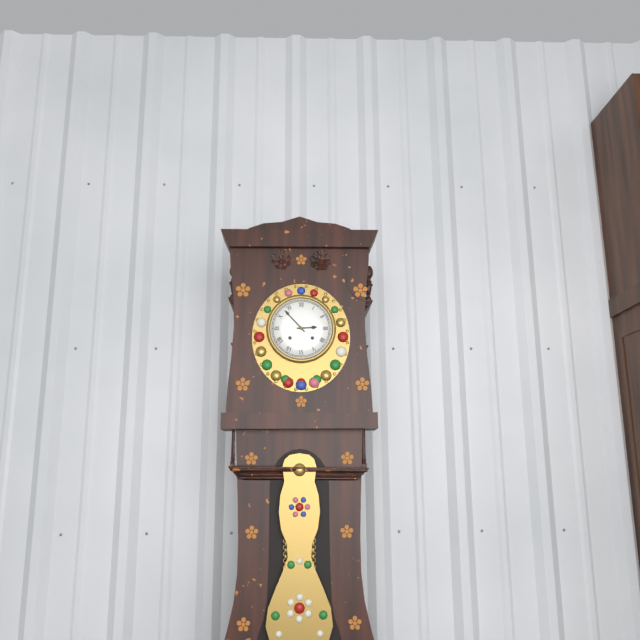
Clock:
{"hour": 2, "minute": 53}
